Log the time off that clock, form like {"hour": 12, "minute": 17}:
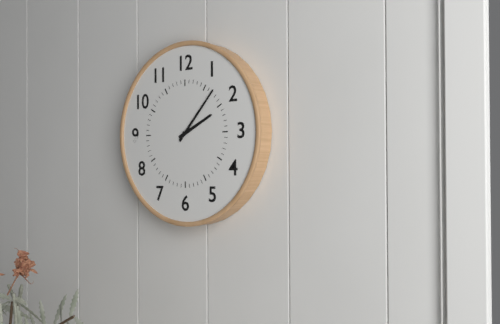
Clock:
{"hour": 2, "minute": 7}
